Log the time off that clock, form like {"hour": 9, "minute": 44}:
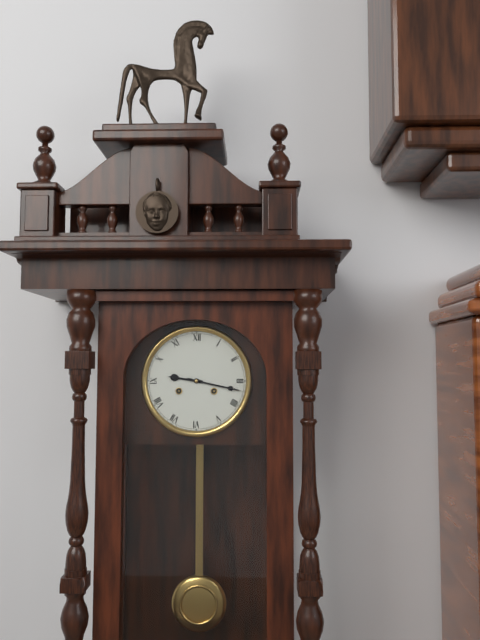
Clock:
{"hour": 9, "minute": 17}
